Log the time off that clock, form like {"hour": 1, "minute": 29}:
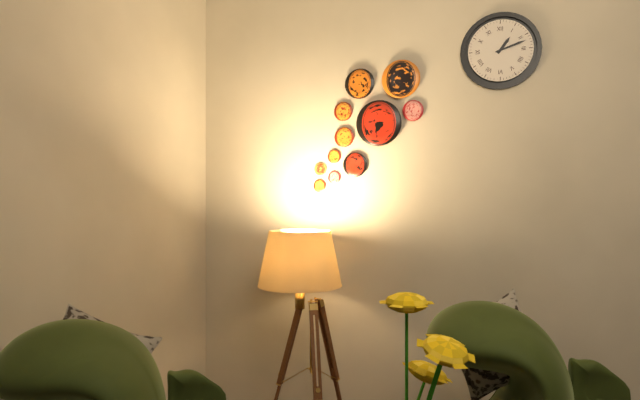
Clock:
{"hour": 1, "minute": 12}
